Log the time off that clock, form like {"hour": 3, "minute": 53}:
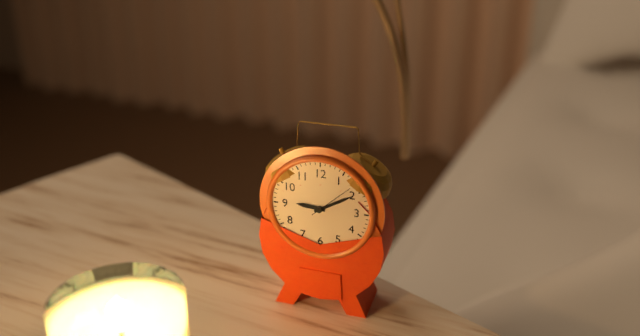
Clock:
{"hour": 9, "minute": 10}
